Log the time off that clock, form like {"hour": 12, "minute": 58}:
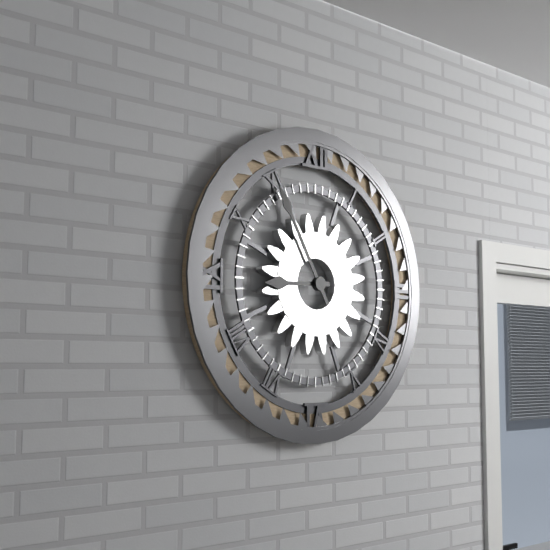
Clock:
{"hour": 8, "minute": 55}
